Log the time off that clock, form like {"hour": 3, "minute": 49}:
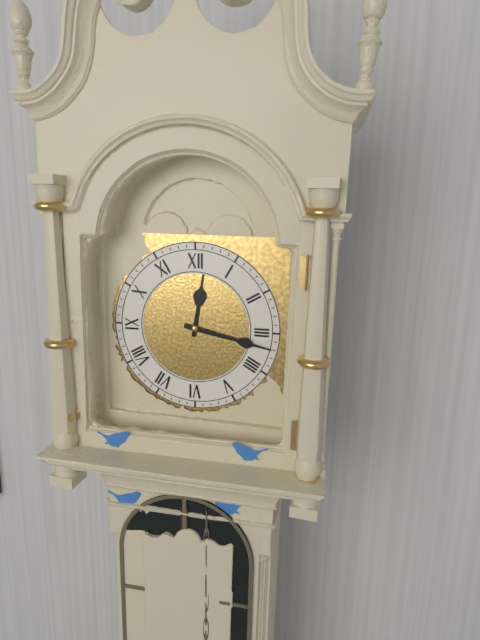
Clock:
{"hour": 12, "minute": 17}
